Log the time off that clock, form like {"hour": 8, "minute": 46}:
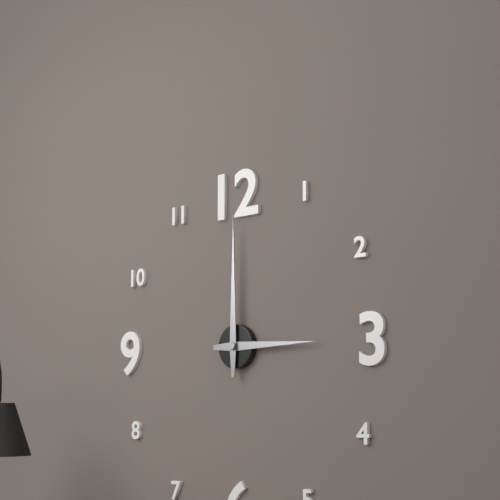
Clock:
{"hour": 3, "minute": 0}
